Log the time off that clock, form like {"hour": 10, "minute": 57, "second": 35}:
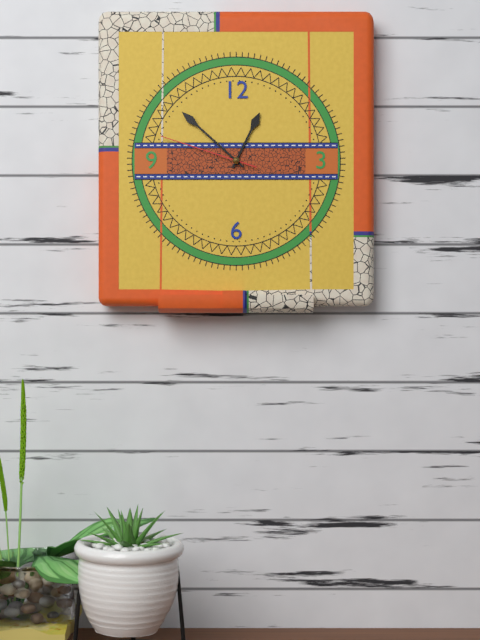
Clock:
{"hour": 12, "minute": 52, "second": 48}
